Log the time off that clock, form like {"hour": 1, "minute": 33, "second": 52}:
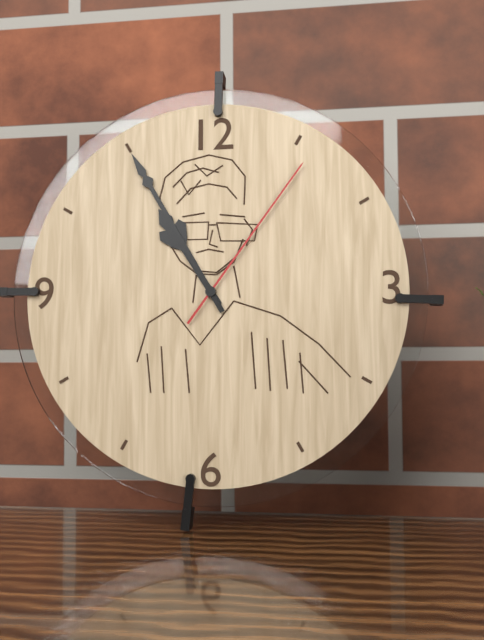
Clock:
{"hour": 10, "minute": 55, "second": 6}
